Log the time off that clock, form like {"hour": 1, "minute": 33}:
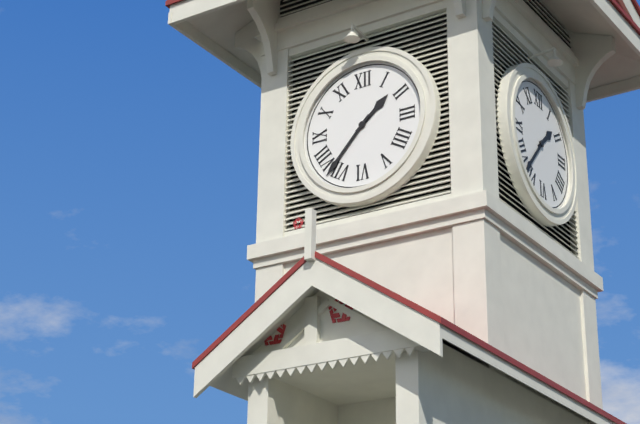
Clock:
{"hour": 1, "minute": 37}
